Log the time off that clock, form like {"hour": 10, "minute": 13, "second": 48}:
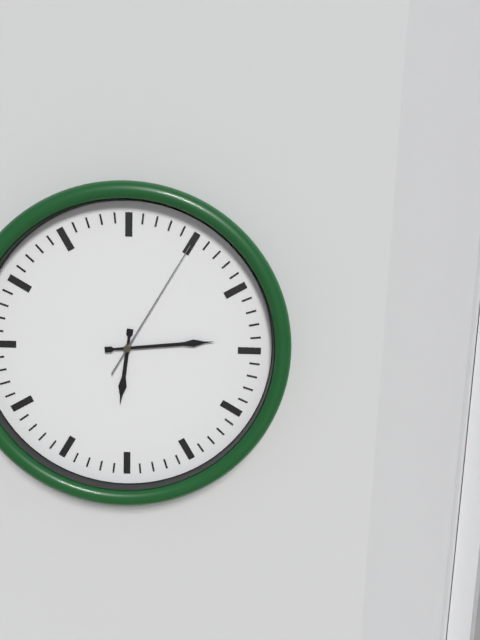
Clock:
{"hour": 6, "minute": 14, "second": 5}
